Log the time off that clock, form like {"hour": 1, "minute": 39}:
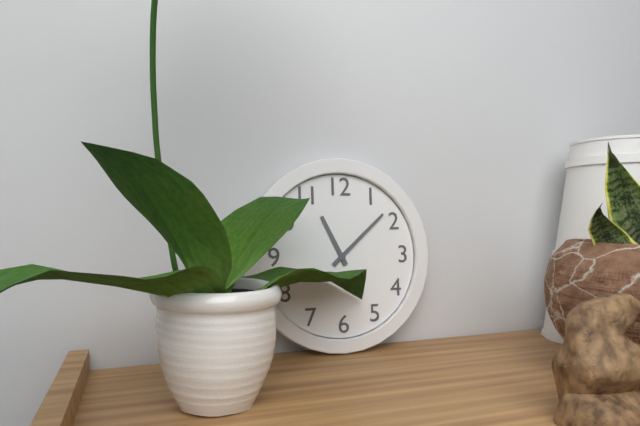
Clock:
{"hour": 11, "minute": 8}
